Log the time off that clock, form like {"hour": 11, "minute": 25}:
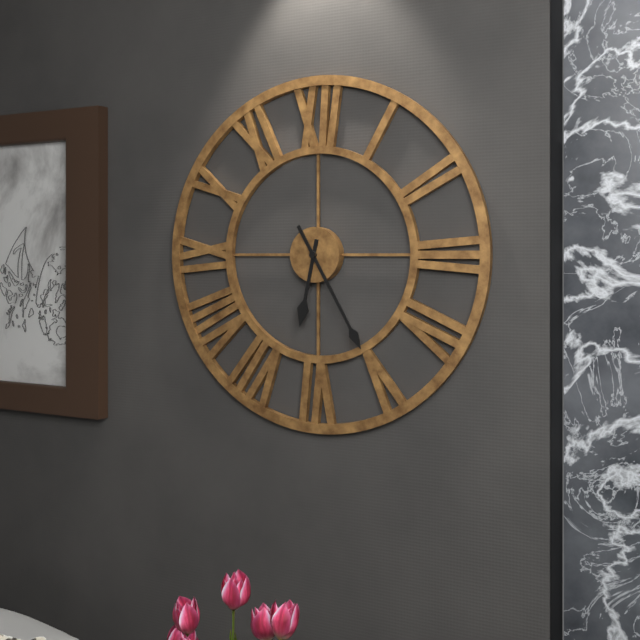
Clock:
{"hour": 6, "minute": 25}
